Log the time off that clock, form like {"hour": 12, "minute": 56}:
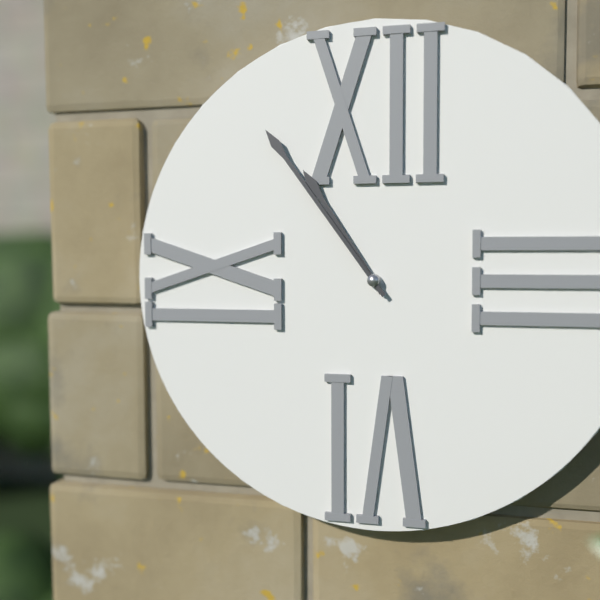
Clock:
{"hour": 10, "minute": 54}
